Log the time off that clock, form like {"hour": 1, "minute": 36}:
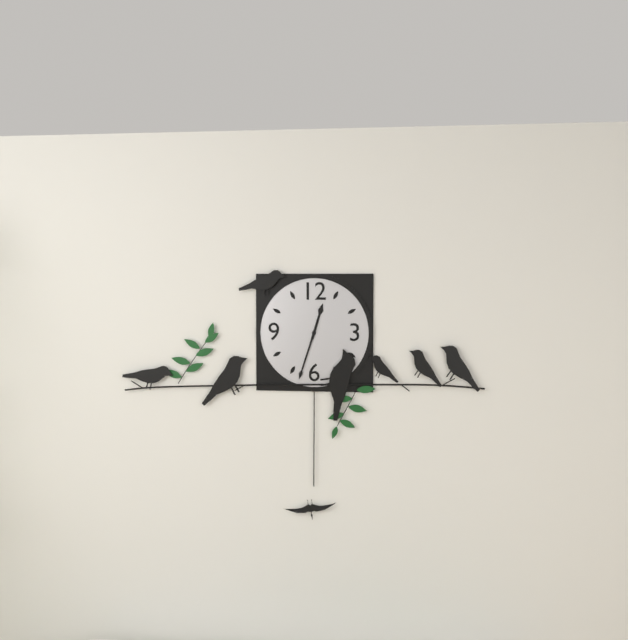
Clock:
{"hour": 12, "minute": 33}
